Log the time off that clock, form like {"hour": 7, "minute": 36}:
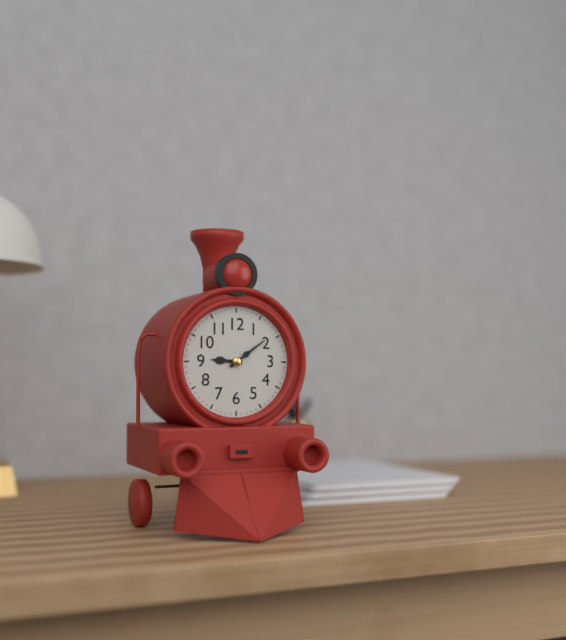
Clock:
{"hour": 9, "minute": 9}
